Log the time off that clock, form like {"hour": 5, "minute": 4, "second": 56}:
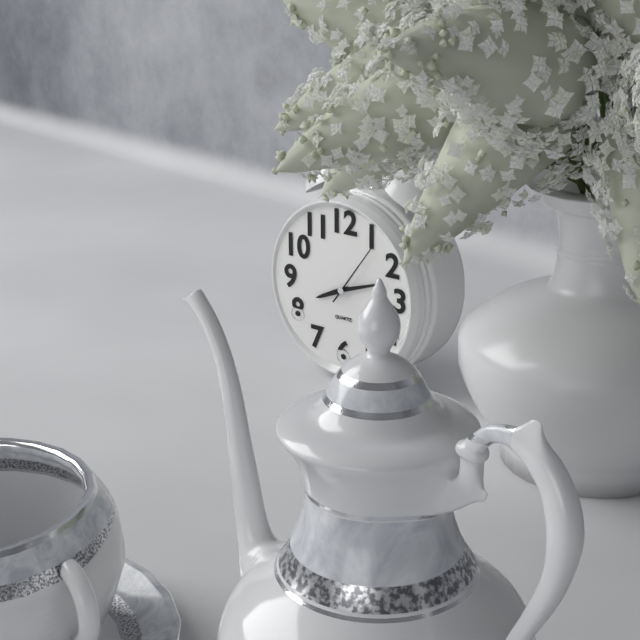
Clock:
{"hour": 8, "minute": 12, "second": 6}
